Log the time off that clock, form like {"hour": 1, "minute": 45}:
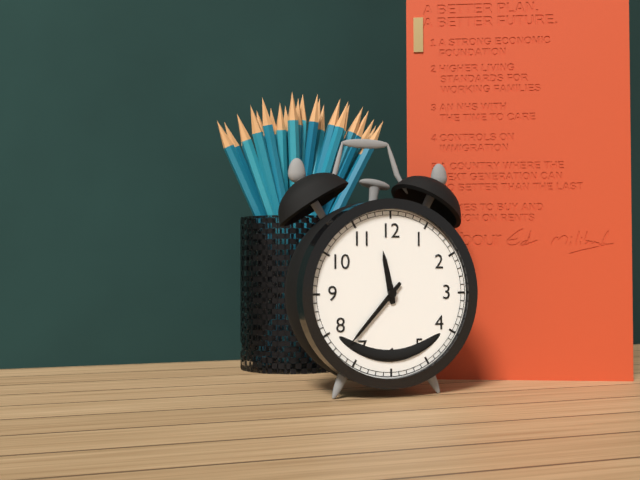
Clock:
{"hour": 11, "minute": 37}
